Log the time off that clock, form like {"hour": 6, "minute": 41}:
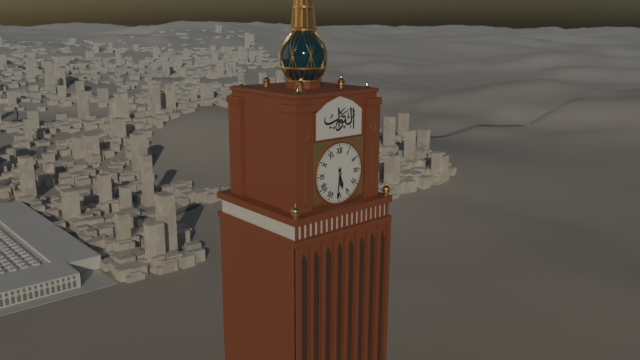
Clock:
{"hour": 5, "minute": 31}
